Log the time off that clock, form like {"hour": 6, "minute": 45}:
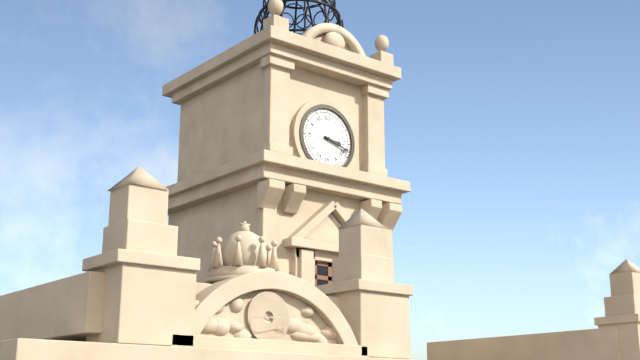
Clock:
{"hour": 3, "minute": 18}
